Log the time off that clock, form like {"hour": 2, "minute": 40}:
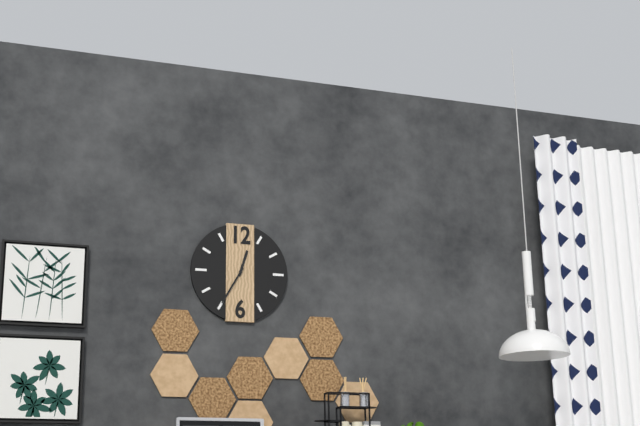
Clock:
{"hour": 12, "minute": 35}
